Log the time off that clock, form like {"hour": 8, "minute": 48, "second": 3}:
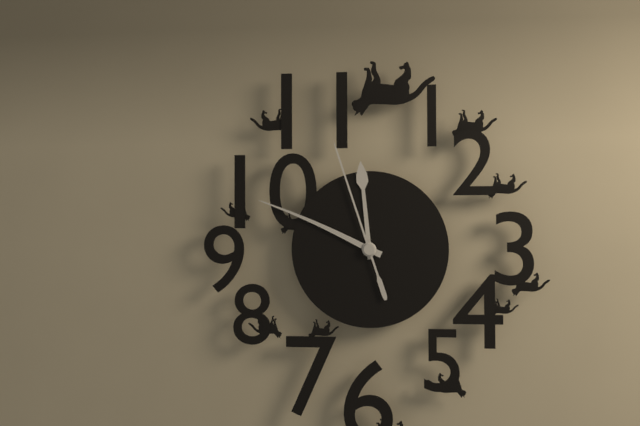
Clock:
{"hour": 11, "minute": 49, "second": 57}
